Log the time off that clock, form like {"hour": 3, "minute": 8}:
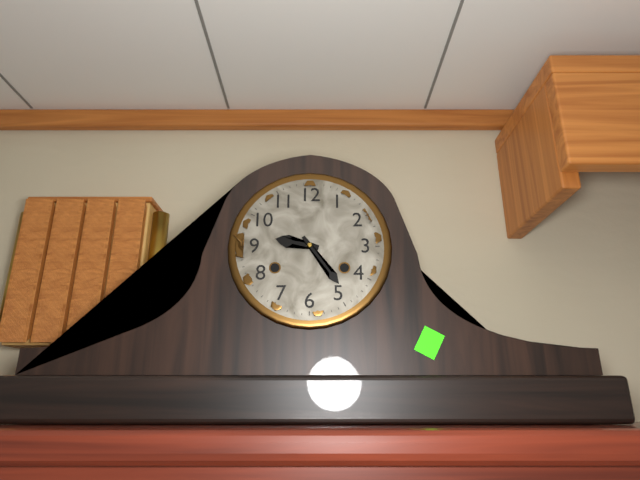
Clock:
{"hour": 9, "minute": 24}
